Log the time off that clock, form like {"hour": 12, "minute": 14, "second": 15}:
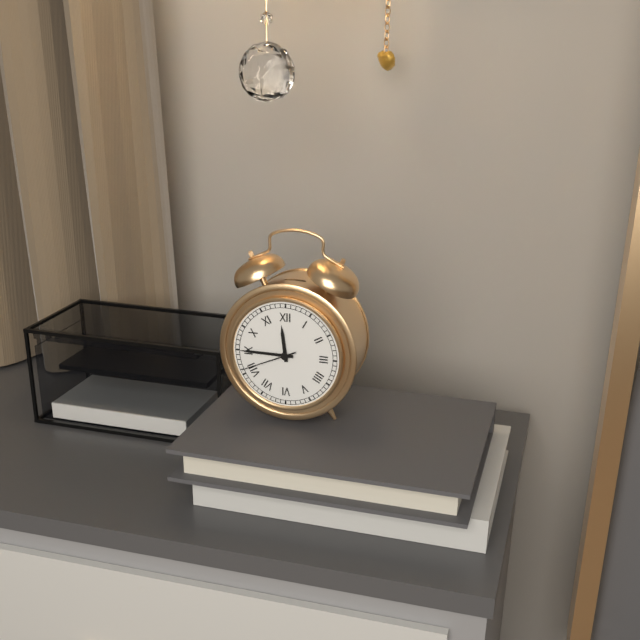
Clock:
{"hour": 11, "minute": 45, "second": 41}
